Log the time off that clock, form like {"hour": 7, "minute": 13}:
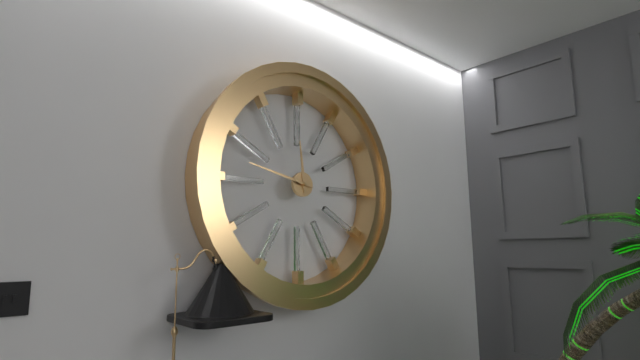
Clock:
{"hour": 11, "minute": 47}
